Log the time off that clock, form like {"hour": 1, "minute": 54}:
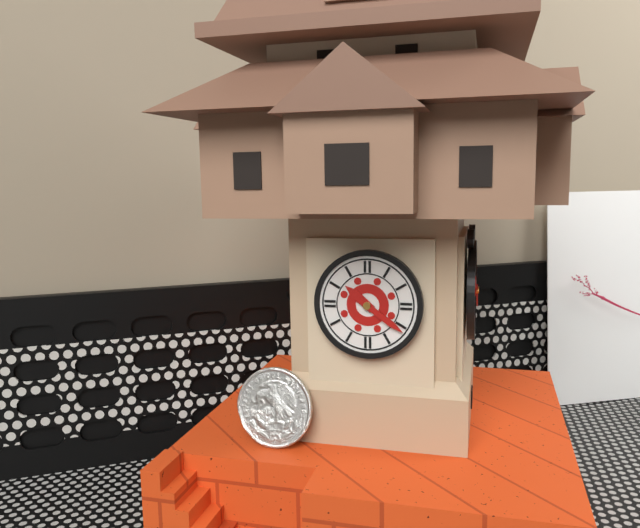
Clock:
{"hour": 10, "minute": 21}
